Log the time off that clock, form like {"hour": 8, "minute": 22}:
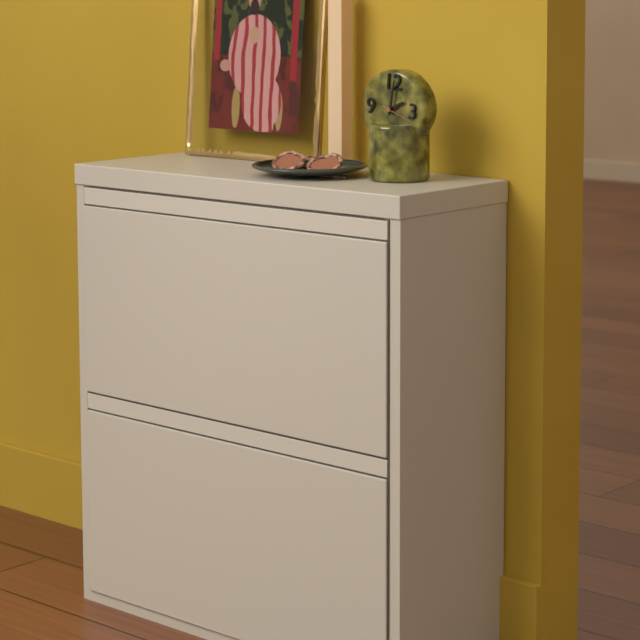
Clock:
{"hour": 2, "minute": 1}
